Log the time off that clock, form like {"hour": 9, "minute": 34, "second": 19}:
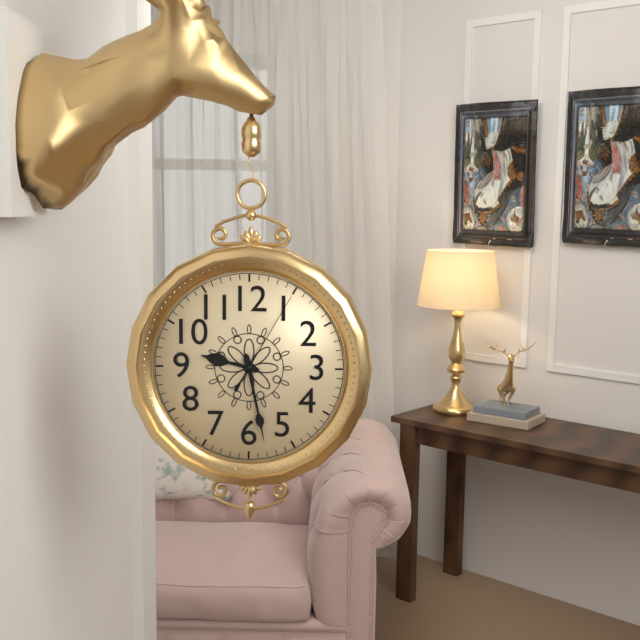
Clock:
{"hour": 9, "minute": 28, "second": 5}
